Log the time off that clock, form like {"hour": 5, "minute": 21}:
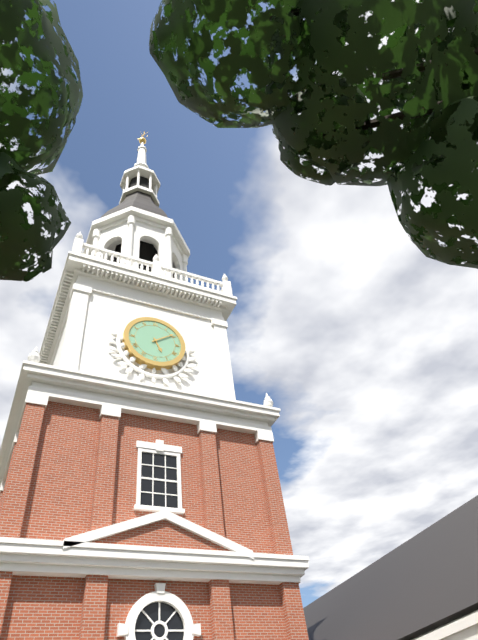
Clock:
{"hour": 5, "minute": 9}
